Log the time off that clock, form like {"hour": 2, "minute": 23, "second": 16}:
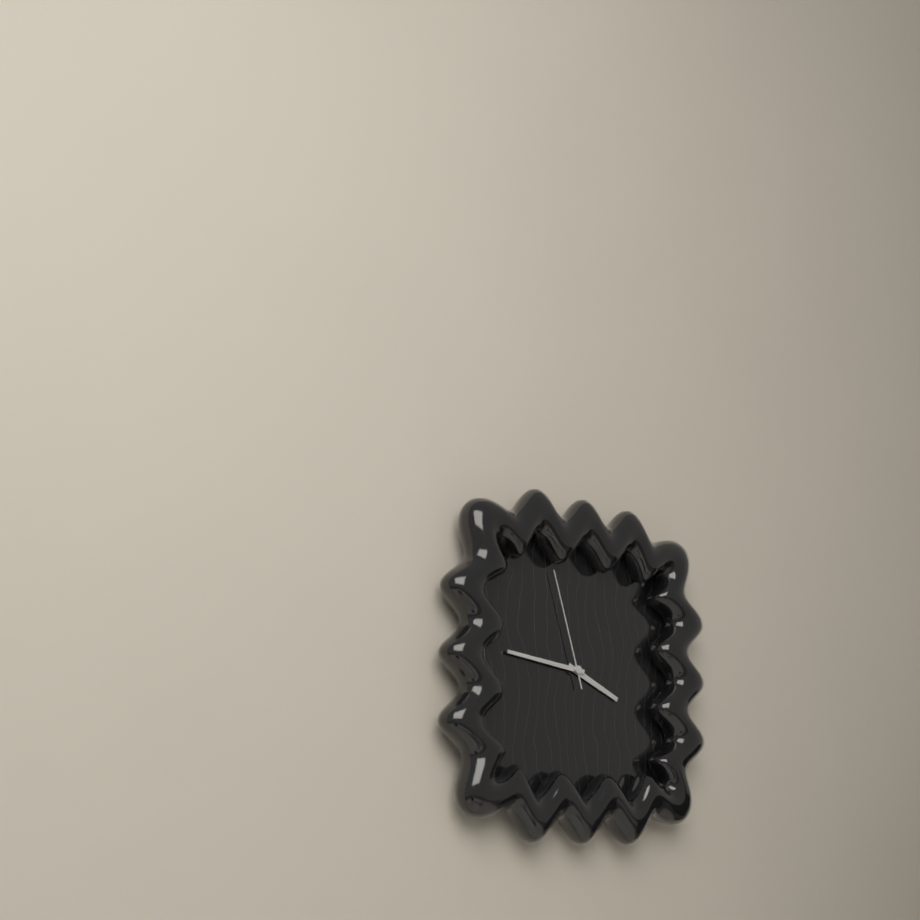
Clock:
{"hour": 3, "minute": 46, "second": 57}
